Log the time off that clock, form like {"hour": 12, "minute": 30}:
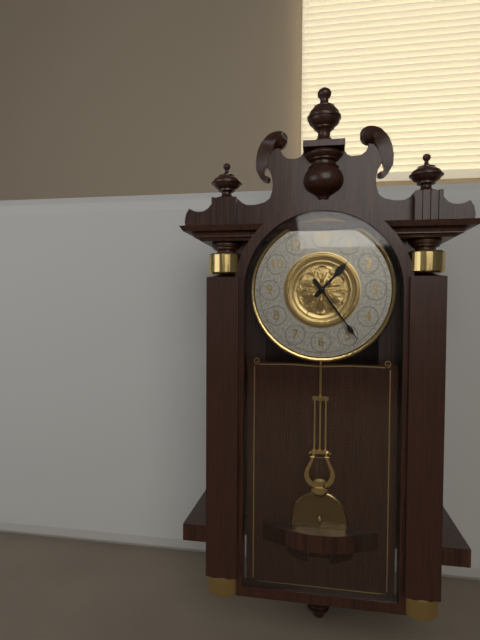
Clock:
{"hour": 1, "minute": 24}
